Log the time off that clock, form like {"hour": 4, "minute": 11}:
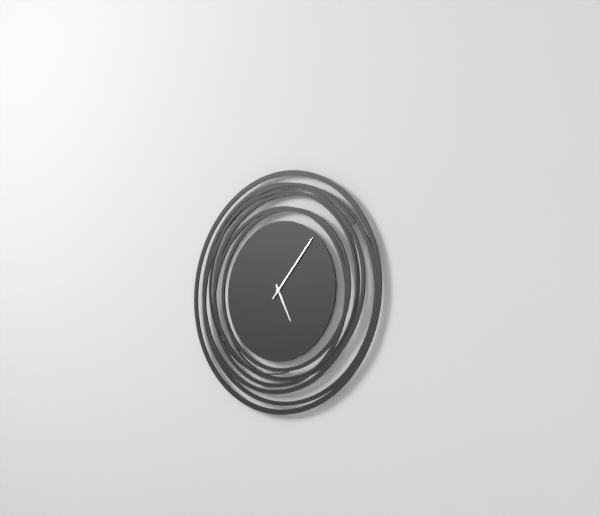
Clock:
{"hour": 5, "minute": 7}
